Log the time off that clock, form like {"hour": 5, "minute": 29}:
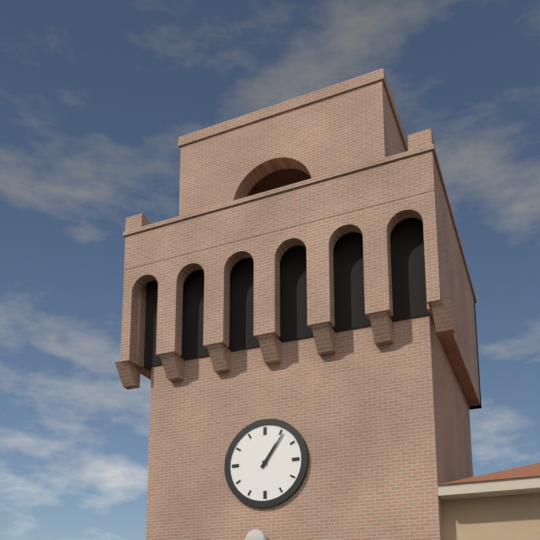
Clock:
{"hour": 1, "minute": 6}
